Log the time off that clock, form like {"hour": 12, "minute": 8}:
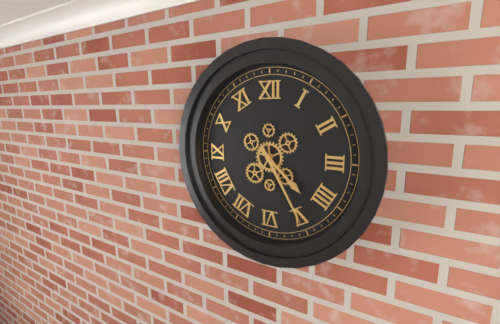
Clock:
{"hour": 4, "minute": 25}
